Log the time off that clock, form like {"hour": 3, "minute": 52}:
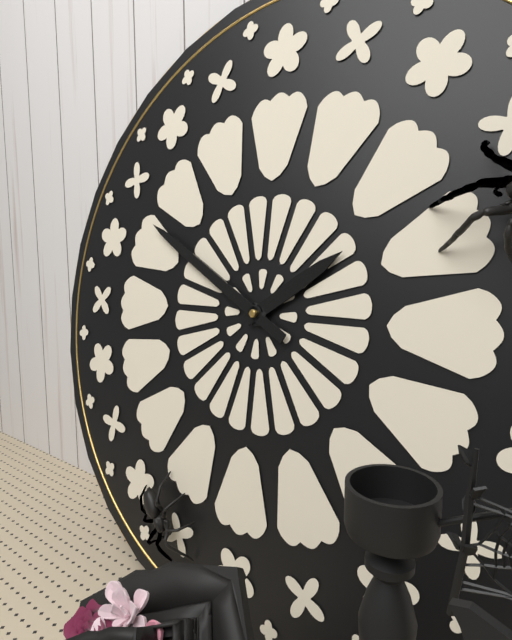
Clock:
{"hour": 1, "minute": 50}
